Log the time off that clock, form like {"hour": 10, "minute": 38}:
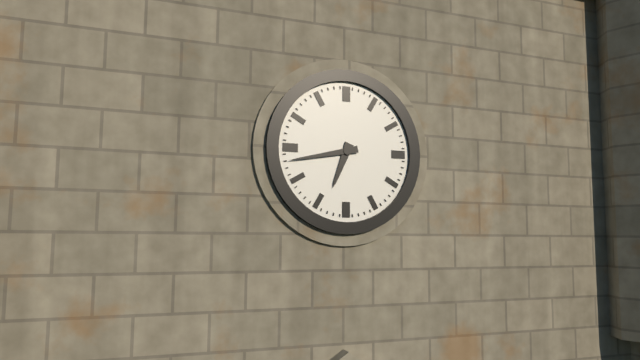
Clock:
{"hour": 6, "minute": 43}
